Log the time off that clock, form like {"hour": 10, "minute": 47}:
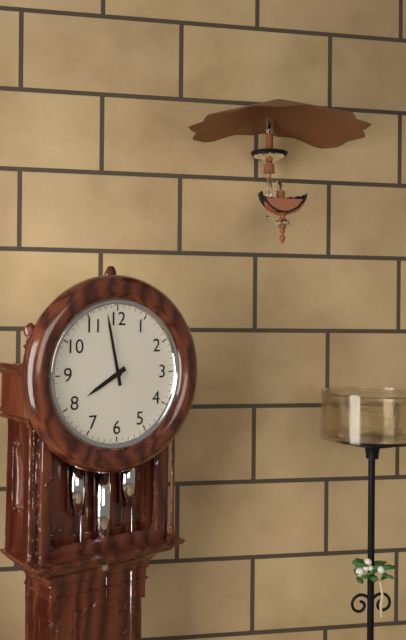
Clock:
{"hour": 7, "minute": 58}
